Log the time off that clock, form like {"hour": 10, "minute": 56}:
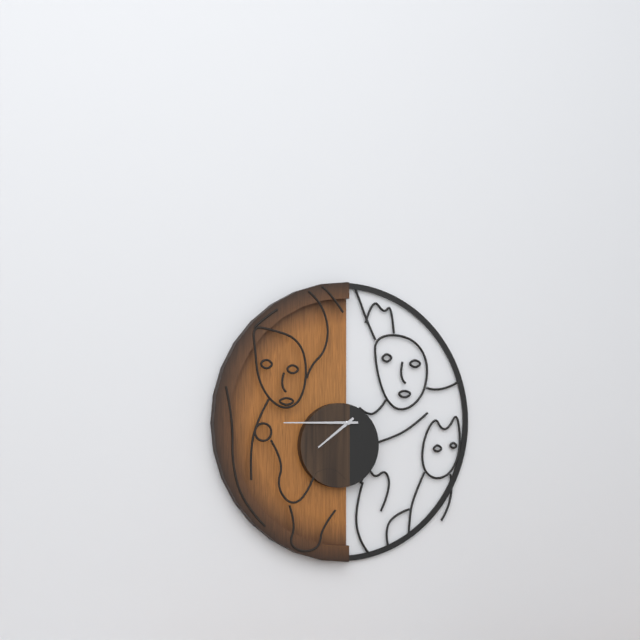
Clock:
{"hour": 7, "minute": 45}
